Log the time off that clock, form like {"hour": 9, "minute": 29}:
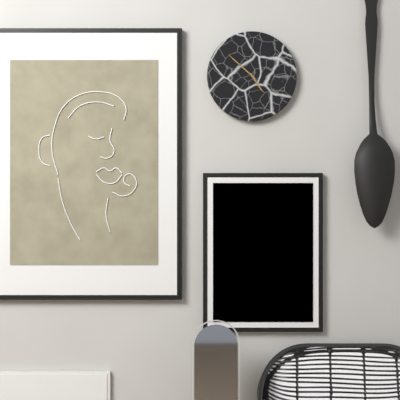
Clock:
{"hour": 4, "minute": 52}
